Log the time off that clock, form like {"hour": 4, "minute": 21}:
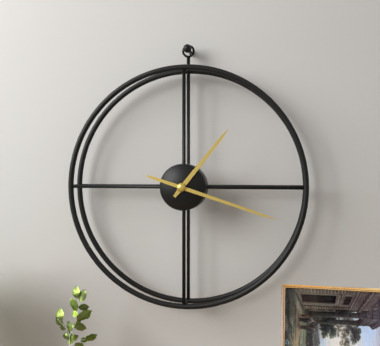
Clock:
{"hour": 1, "minute": 18}
